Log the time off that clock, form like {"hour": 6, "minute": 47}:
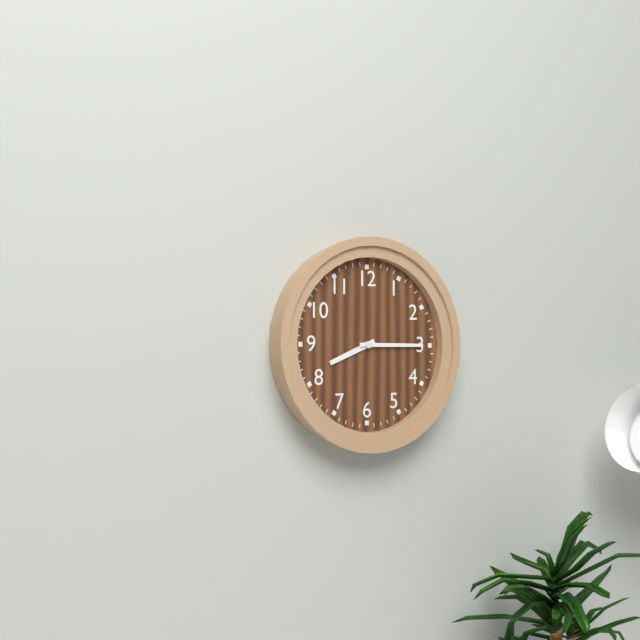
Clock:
{"hour": 8, "minute": 15}
